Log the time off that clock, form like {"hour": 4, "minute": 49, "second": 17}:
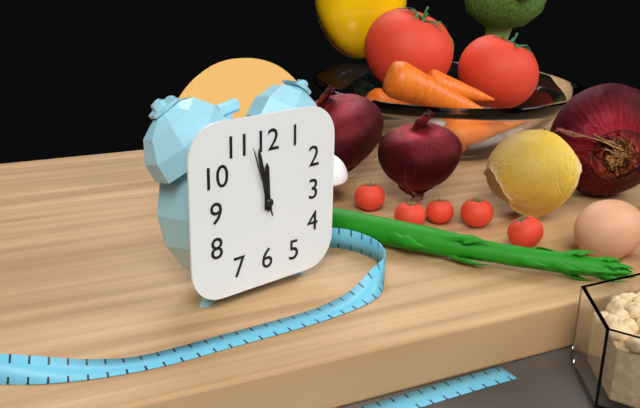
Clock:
{"hour": 11, "minute": 58, "second": 57}
